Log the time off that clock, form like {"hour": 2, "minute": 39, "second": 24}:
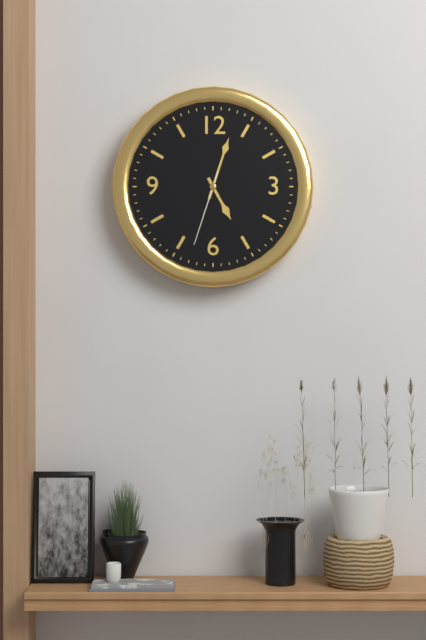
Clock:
{"hour": 5, "minute": 3, "second": 33}
